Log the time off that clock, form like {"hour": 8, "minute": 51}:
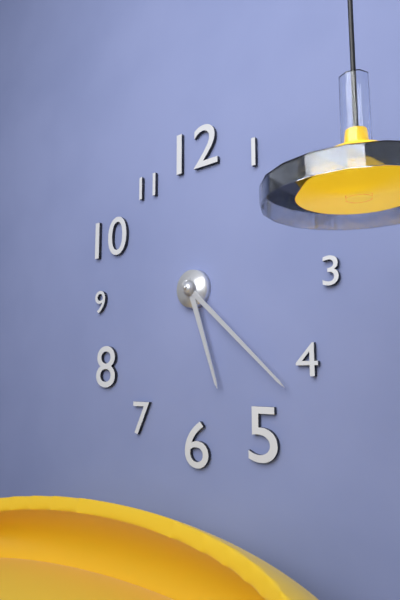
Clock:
{"hour": 5, "minute": 22}
